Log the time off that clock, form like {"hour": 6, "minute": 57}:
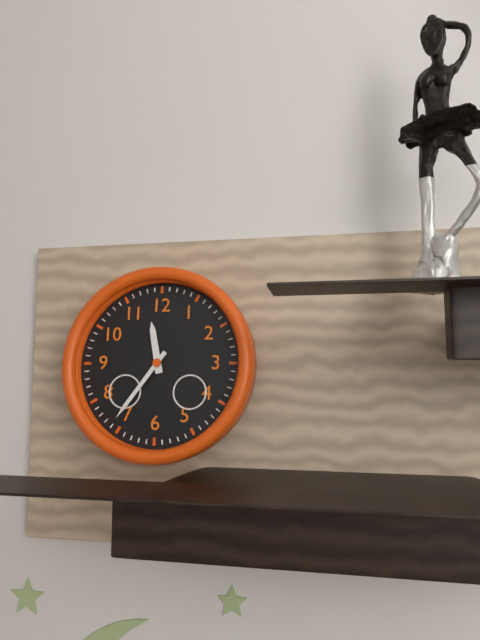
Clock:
{"hour": 11, "minute": 36}
